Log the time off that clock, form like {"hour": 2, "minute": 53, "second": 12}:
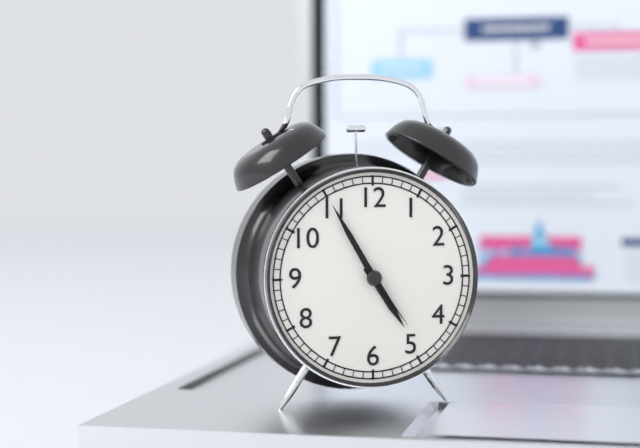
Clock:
{"hour": 4, "minute": 55, "second": 24}
